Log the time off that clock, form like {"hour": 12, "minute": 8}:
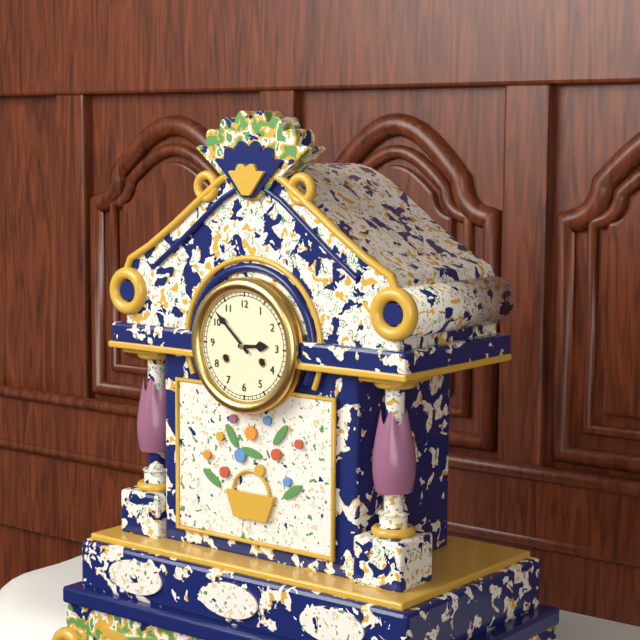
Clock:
{"hour": 2, "minute": 52}
